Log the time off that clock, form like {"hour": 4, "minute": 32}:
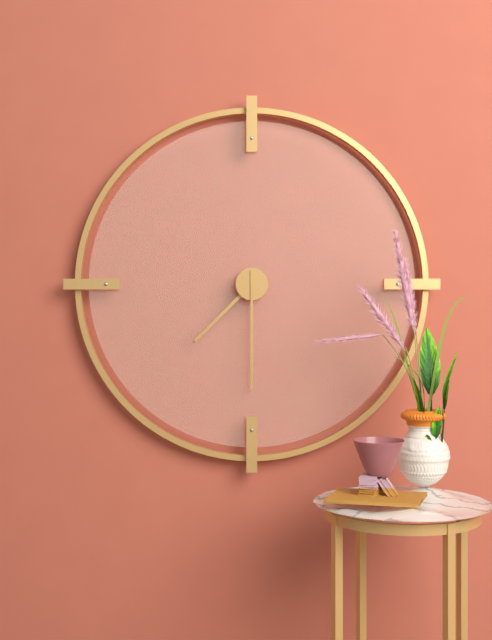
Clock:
{"hour": 7, "minute": 30}
